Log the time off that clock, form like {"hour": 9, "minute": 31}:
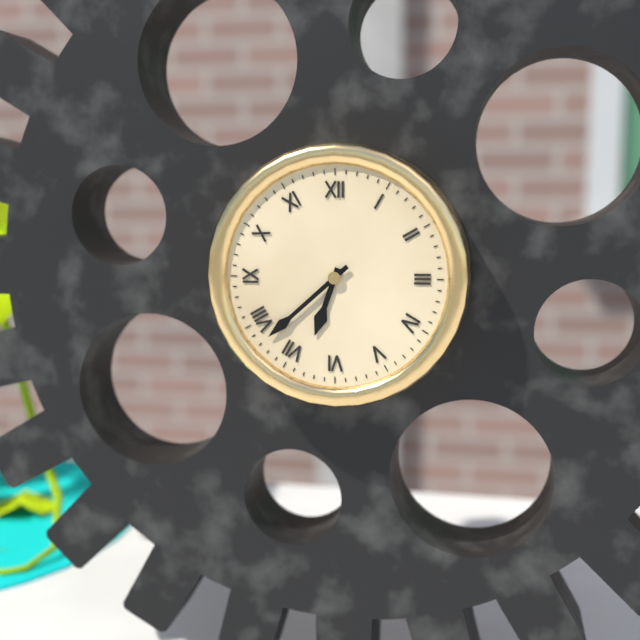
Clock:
{"hour": 6, "minute": 38}
